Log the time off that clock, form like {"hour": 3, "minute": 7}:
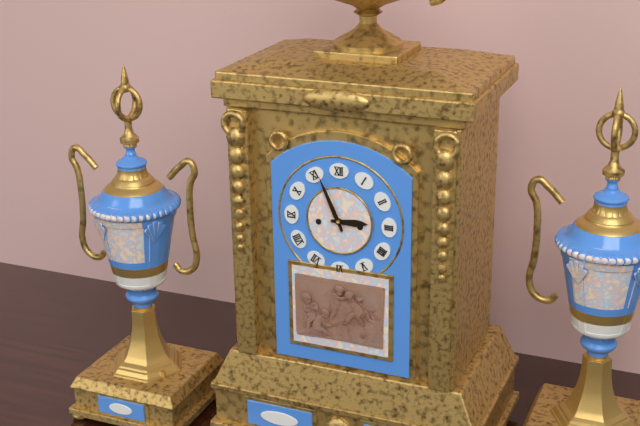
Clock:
{"hour": 2, "minute": 56}
